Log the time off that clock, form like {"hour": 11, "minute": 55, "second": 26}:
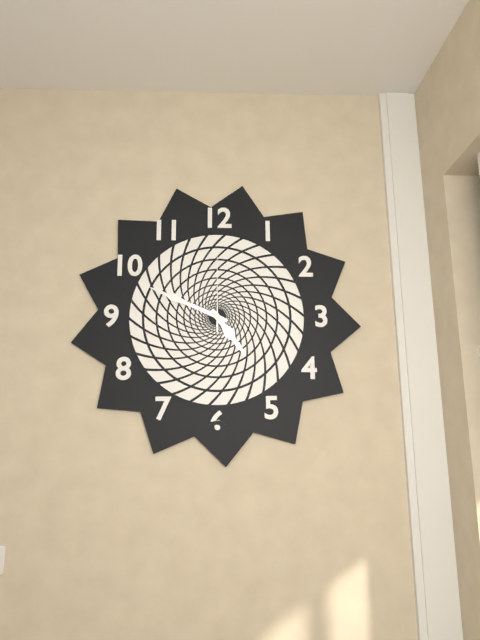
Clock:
{"hour": 4, "minute": 49, "second": 0}
